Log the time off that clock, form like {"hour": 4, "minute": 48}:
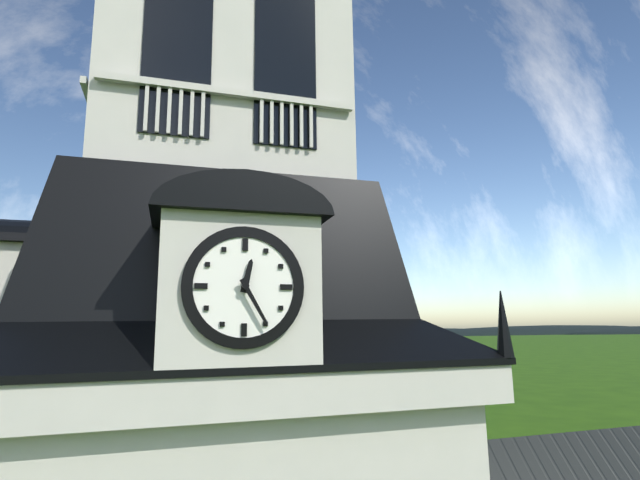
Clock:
{"hour": 12, "minute": 25}
